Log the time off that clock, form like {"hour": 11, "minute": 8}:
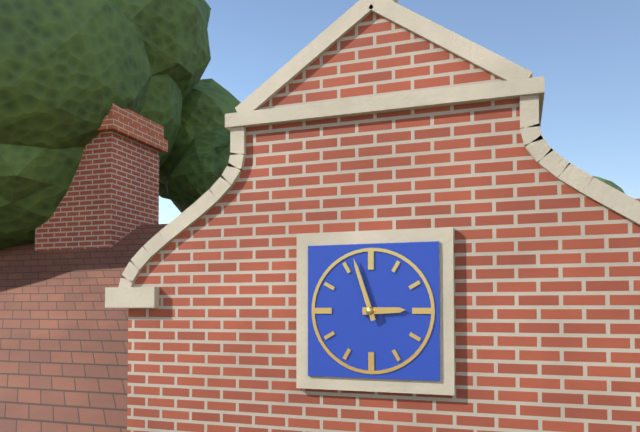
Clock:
{"hour": 2, "minute": 57}
